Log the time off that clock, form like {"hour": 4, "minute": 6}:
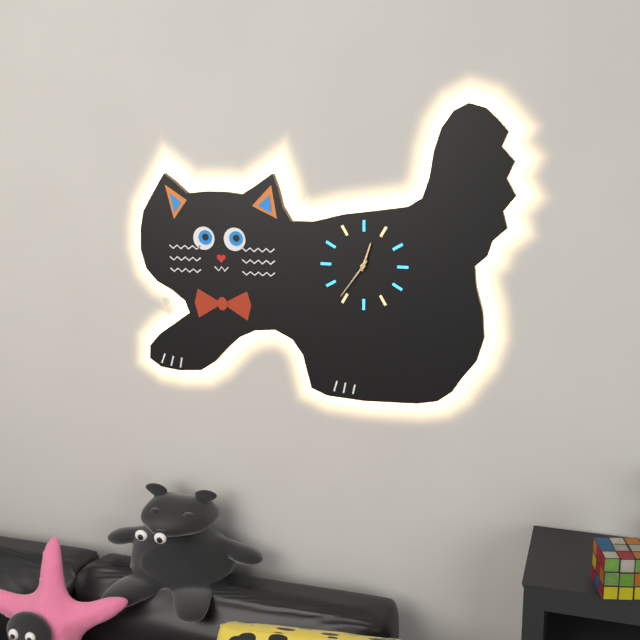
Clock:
{"hour": 12, "minute": 36}
